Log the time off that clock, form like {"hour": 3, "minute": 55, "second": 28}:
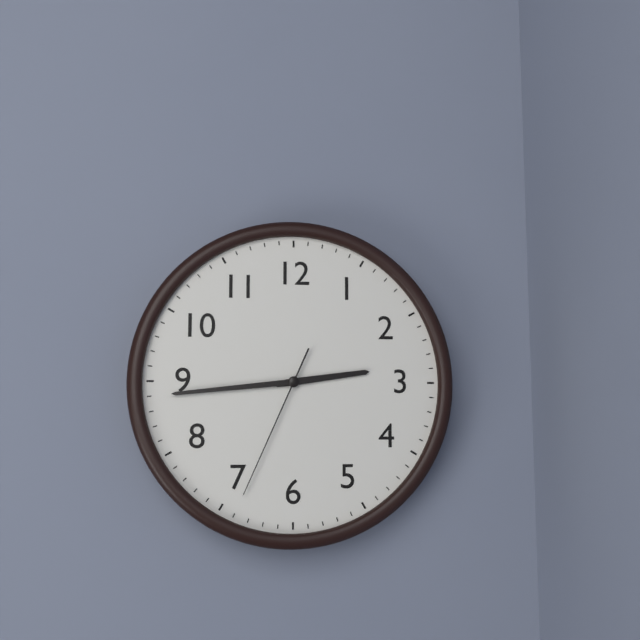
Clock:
{"hour": 2, "minute": 44, "second": 34}
